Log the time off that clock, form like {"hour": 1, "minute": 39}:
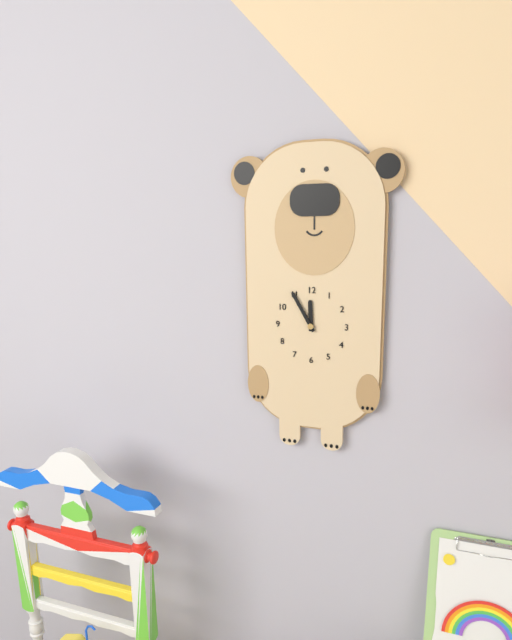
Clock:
{"hour": 11, "minute": 55}
